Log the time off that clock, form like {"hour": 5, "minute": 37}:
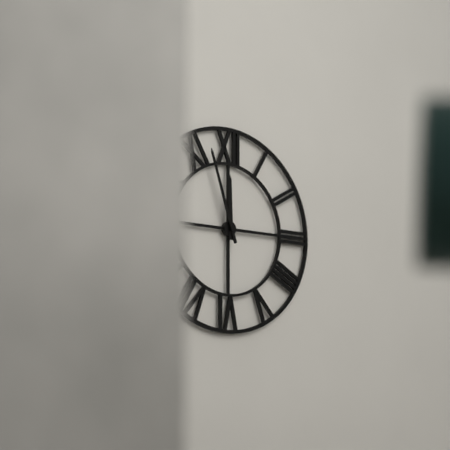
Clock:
{"hour": 11, "minute": 57}
